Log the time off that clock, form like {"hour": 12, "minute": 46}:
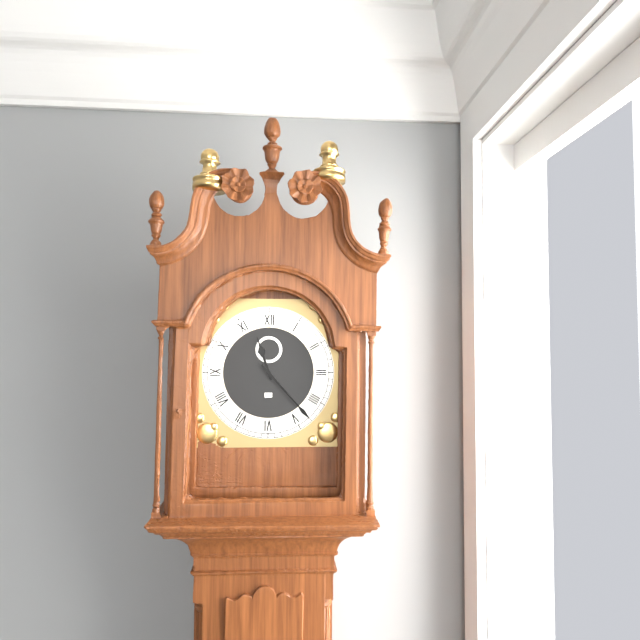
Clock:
{"hour": 11, "minute": 23}
